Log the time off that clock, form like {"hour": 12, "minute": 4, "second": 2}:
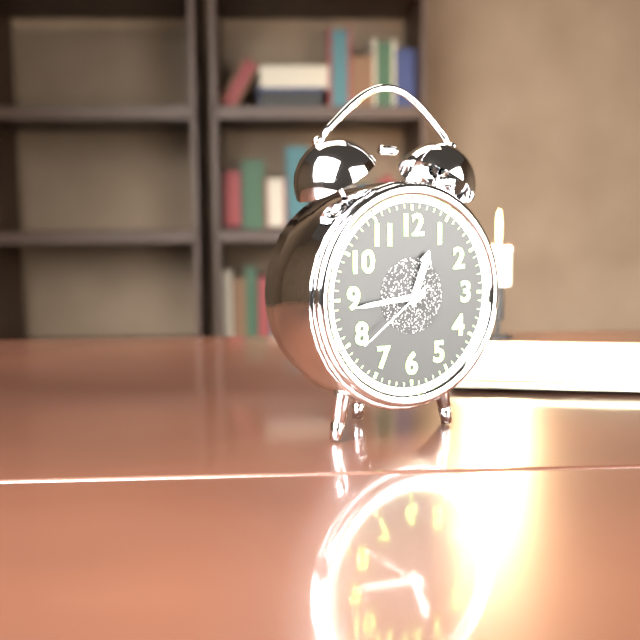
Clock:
{"hour": 12, "minute": 44, "second": 39}
